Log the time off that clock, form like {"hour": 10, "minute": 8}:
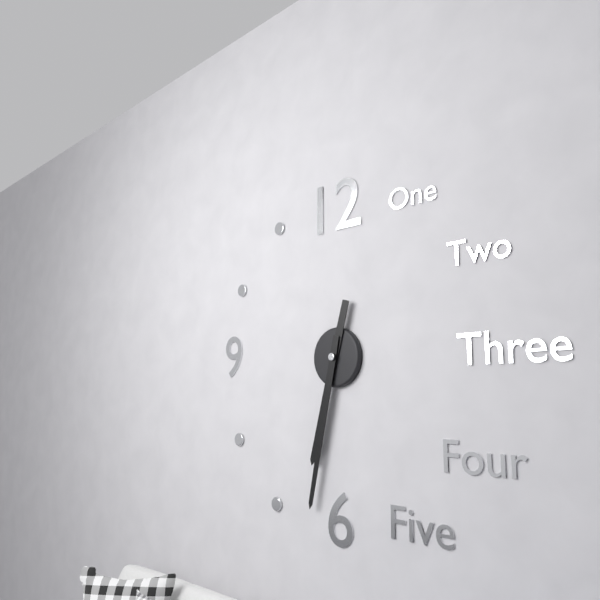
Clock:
{"hour": 6, "minute": 32}
